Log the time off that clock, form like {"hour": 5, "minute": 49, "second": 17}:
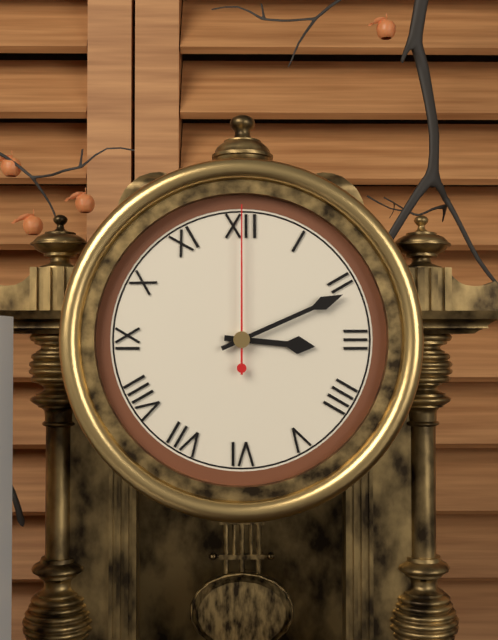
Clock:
{"hour": 3, "minute": 11, "second": 0}
